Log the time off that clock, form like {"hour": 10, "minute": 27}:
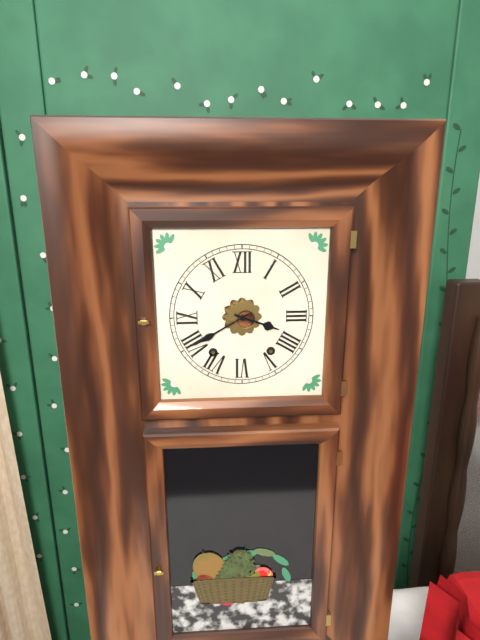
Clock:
{"hour": 3, "minute": 40}
